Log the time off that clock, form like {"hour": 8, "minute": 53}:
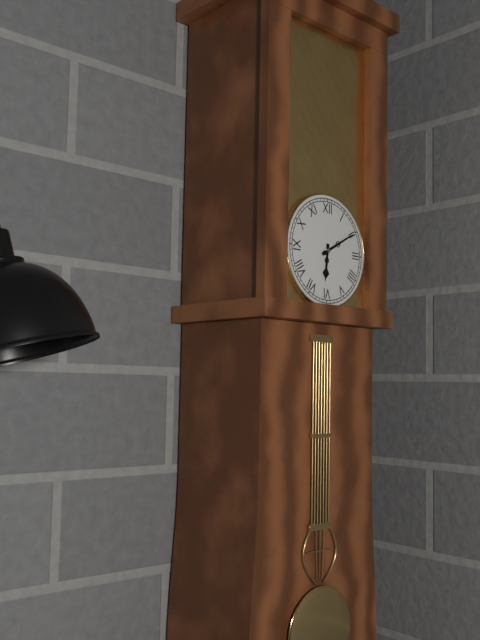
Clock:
{"hour": 6, "minute": 10}
